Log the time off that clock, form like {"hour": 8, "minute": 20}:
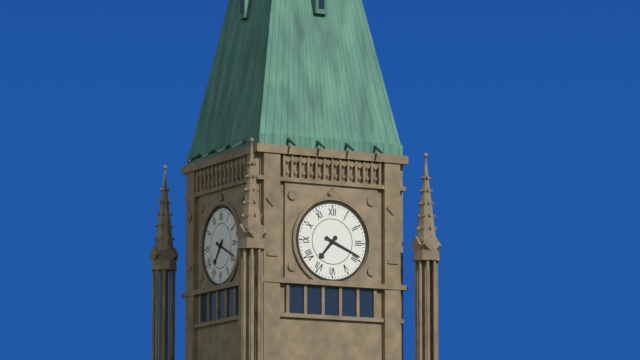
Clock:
{"hour": 7, "minute": 19}
